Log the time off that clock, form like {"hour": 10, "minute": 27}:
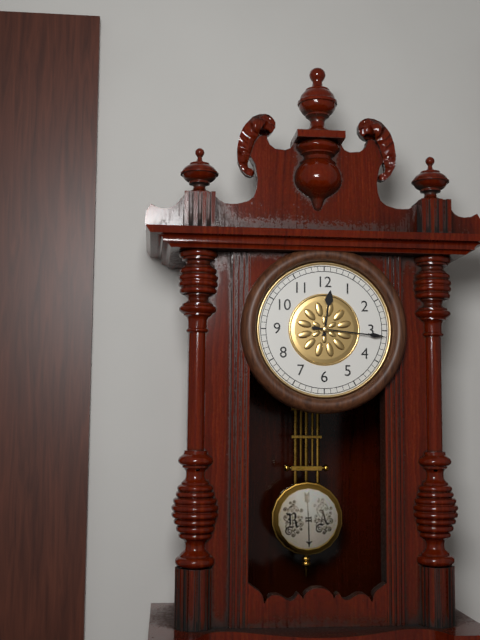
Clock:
{"hour": 12, "minute": 16}
